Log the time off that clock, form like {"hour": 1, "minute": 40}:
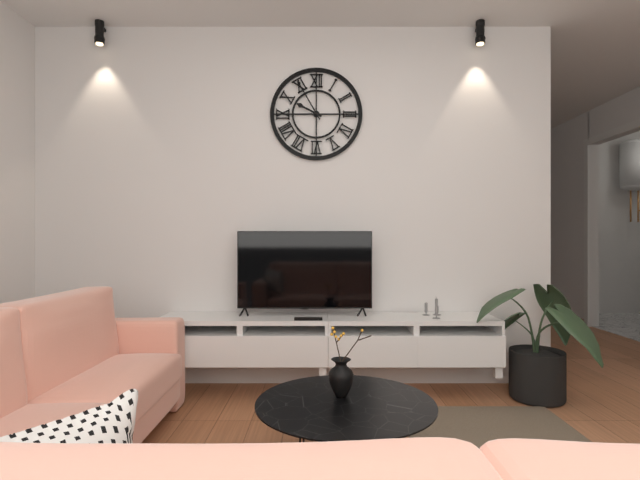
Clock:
{"hour": 9, "minute": 55}
